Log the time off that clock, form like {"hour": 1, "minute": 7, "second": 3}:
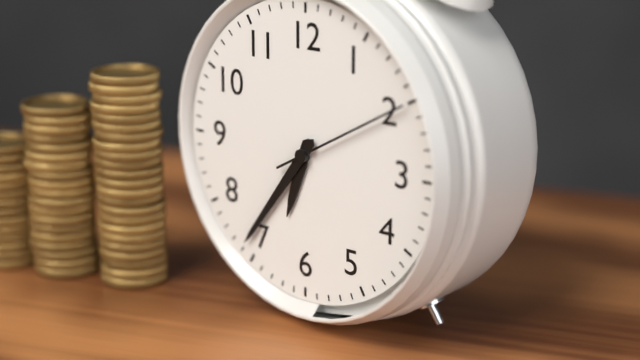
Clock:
{"hour": 6, "minute": 36, "second": 10}
